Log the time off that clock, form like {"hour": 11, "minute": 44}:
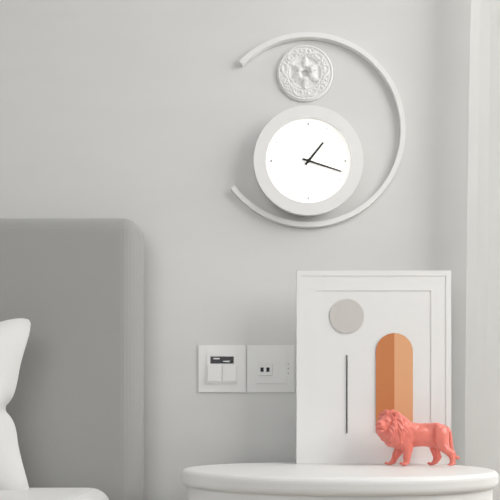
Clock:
{"hour": 1, "minute": 18}
